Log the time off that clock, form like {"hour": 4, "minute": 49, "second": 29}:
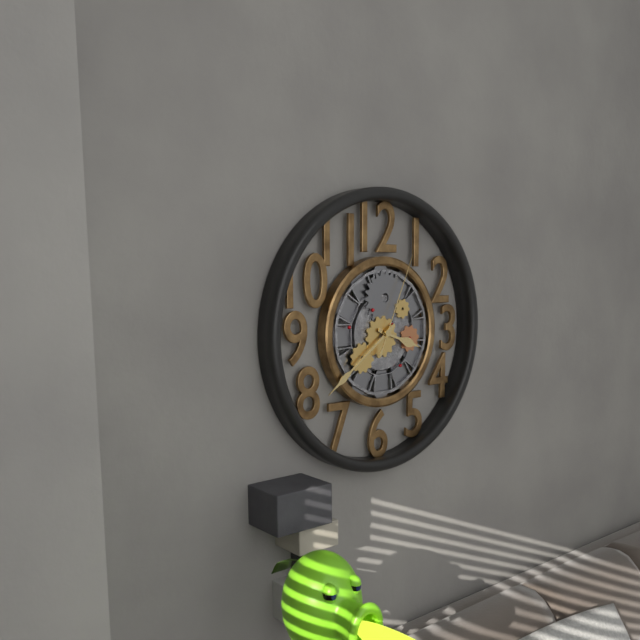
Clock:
{"hour": 3, "minute": 39, "second": 4}
